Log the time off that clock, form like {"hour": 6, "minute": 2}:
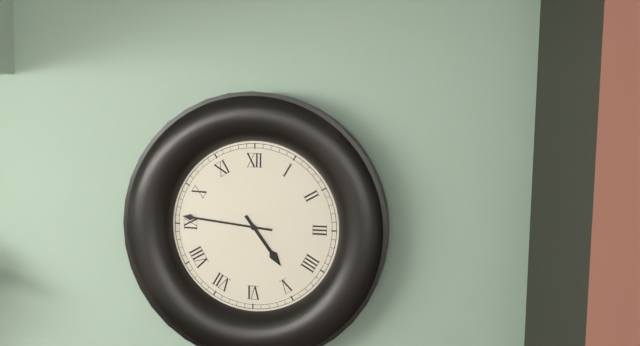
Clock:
{"hour": 4, "minute": 46}
